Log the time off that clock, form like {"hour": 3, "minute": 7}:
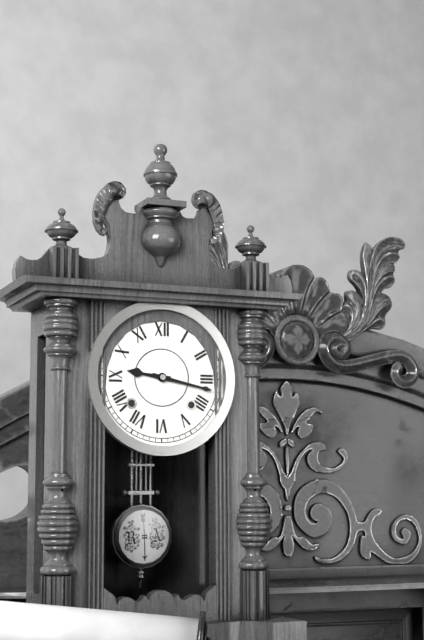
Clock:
{"hour": 9, "minute": 17}
